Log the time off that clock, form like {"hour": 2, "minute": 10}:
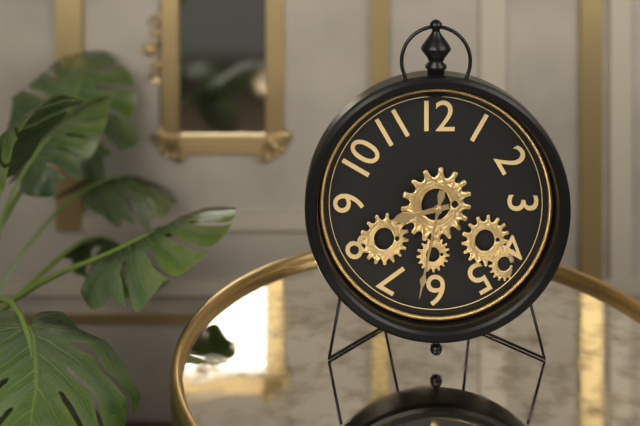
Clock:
{"hour": 8, "minute": 32}
